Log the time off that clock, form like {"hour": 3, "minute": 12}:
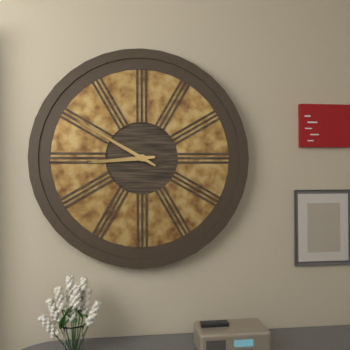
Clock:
{"hour": 8, "minute": 50}
